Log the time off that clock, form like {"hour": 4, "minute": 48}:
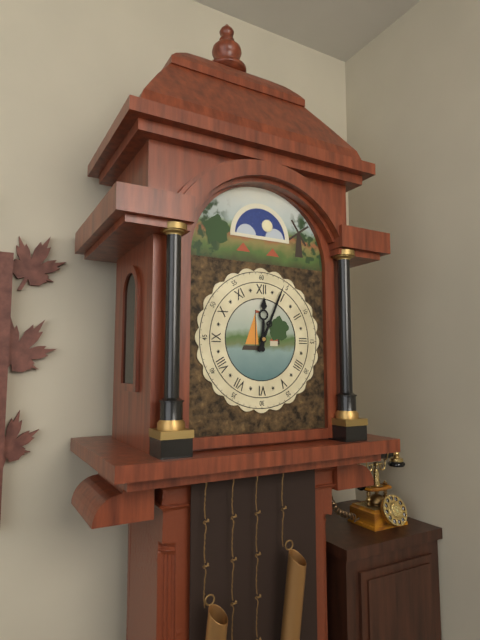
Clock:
{"hour": 12, "minute": 4}
